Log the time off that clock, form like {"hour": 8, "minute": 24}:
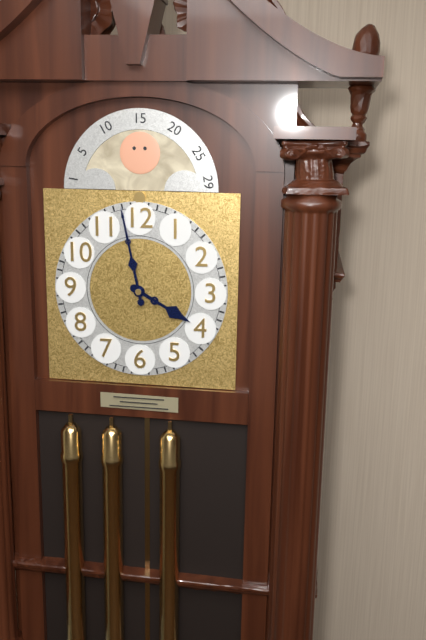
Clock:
{"hour": 3, "minute": 58}
